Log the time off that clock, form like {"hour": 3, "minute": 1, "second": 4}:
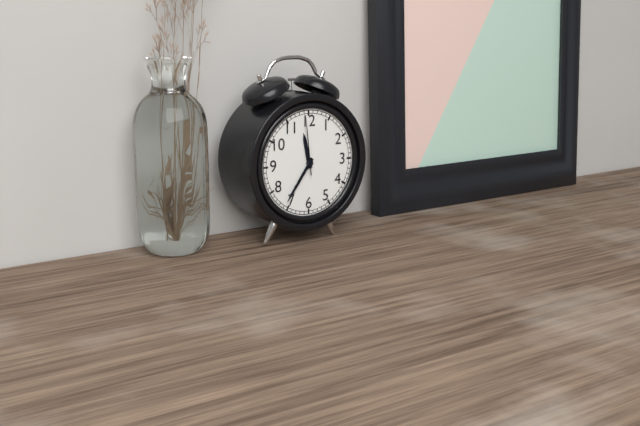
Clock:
{"hour": 11, "minute": 36, "second": 59}
